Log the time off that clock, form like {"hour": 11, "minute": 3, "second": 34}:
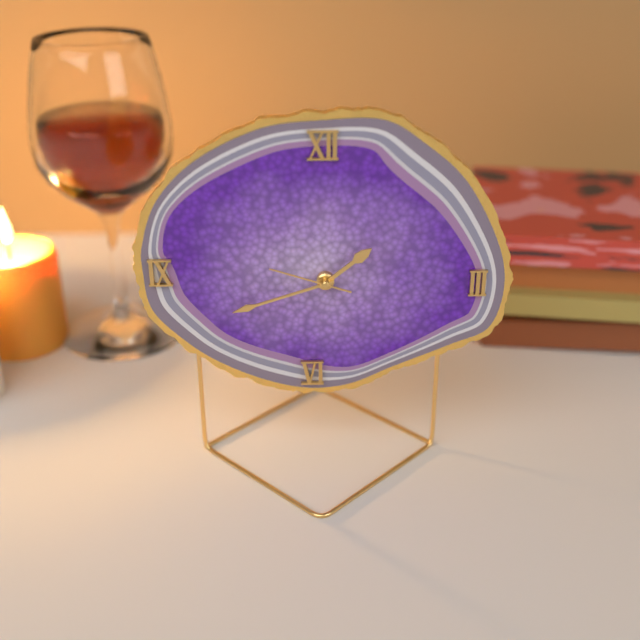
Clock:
{"hour": 1, "minute": 42, "second": 48}
